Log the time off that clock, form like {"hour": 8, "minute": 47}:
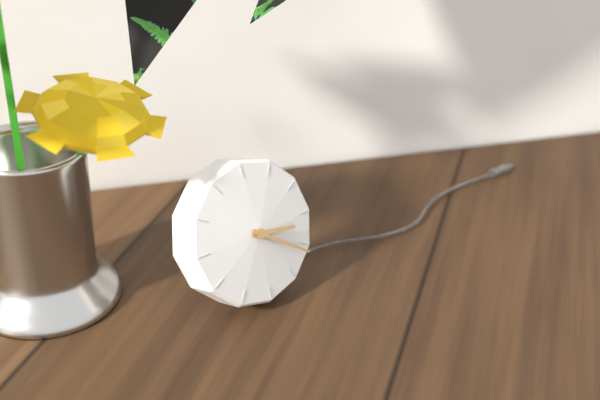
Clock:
{"hour": 3, "minute": 21}
